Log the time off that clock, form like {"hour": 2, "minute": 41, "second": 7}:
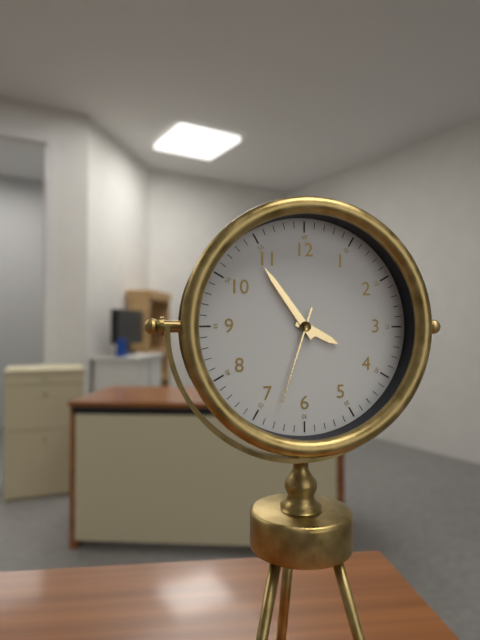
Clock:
{"hour": 3, "minute": 54, "second": 33}
